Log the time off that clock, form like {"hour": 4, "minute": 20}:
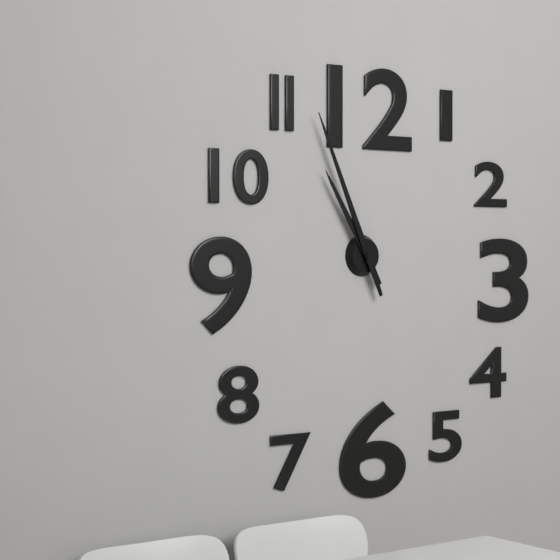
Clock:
{"hour": 10, "minute": 56}
